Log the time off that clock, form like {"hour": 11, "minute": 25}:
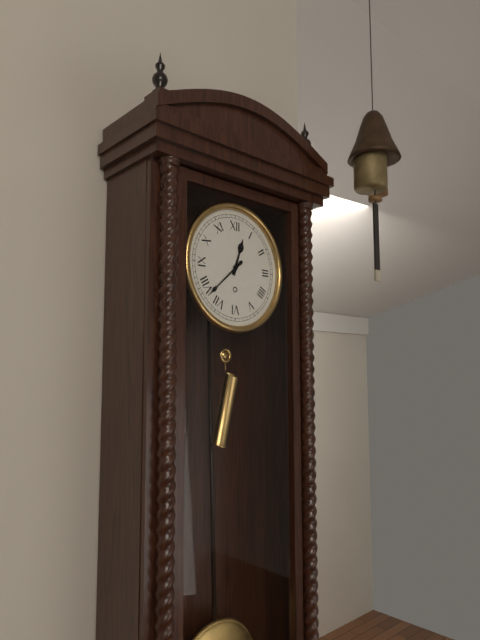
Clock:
{"hour": 12, "minute": 38}
